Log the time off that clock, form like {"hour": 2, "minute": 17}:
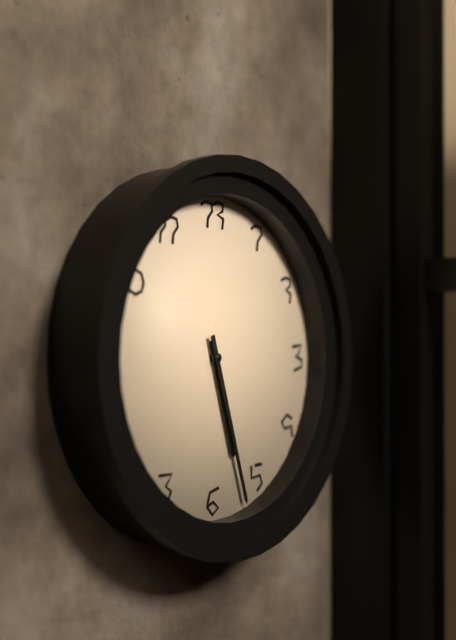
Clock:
{"hour": 5, "minute": 27}
